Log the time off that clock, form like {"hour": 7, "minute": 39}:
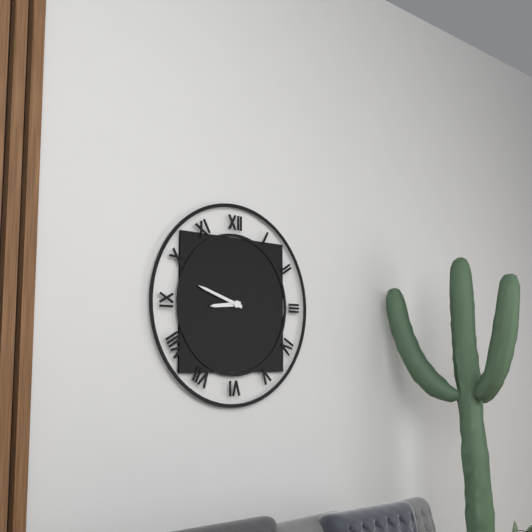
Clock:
{"hour": 8, "minute": 48}
